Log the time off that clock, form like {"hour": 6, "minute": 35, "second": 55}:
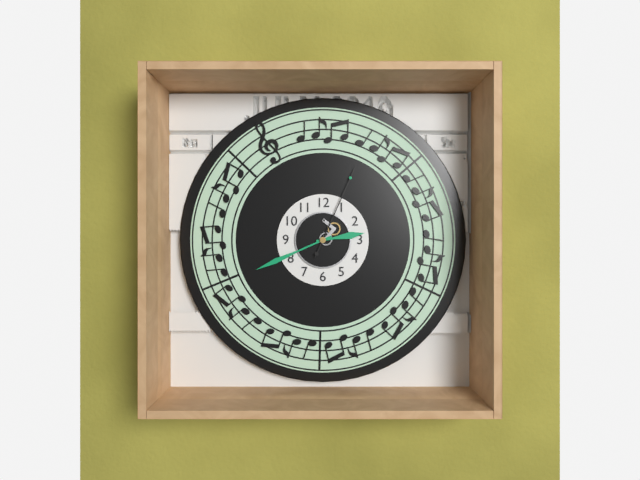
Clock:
{"hour": 2, "minute": 41, "second": 4}
